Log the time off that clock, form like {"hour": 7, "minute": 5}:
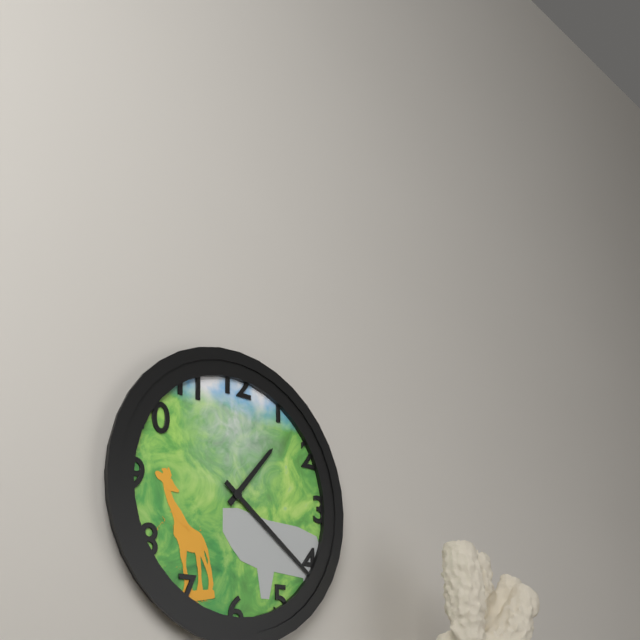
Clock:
{"hour": 1, "minute": 21}
